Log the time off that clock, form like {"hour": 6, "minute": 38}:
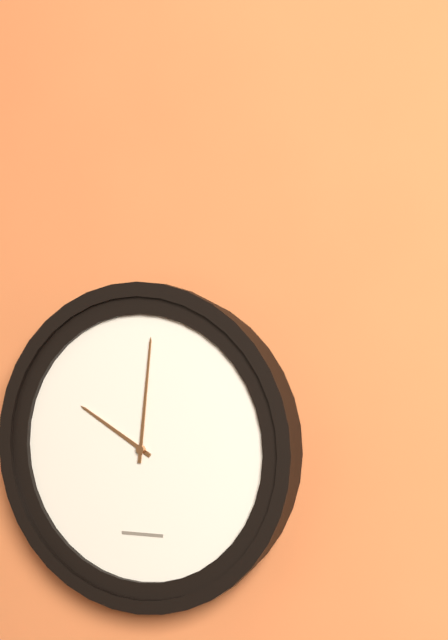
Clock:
{"hour": 10, "minute": 1}
